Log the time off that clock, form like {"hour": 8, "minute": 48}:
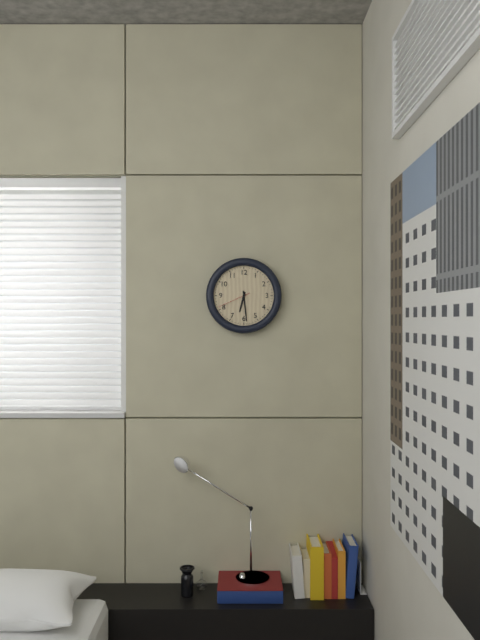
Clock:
{"hour": 6, "minute": 29}
